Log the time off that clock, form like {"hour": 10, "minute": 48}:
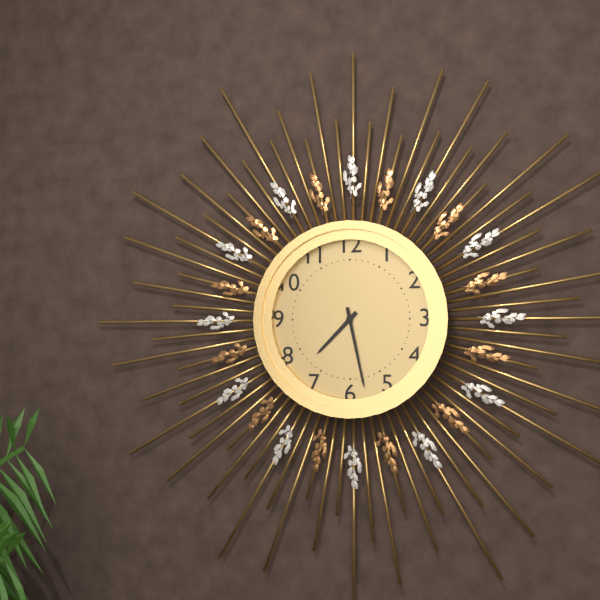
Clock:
{"hour": 7, "minute": 28}
